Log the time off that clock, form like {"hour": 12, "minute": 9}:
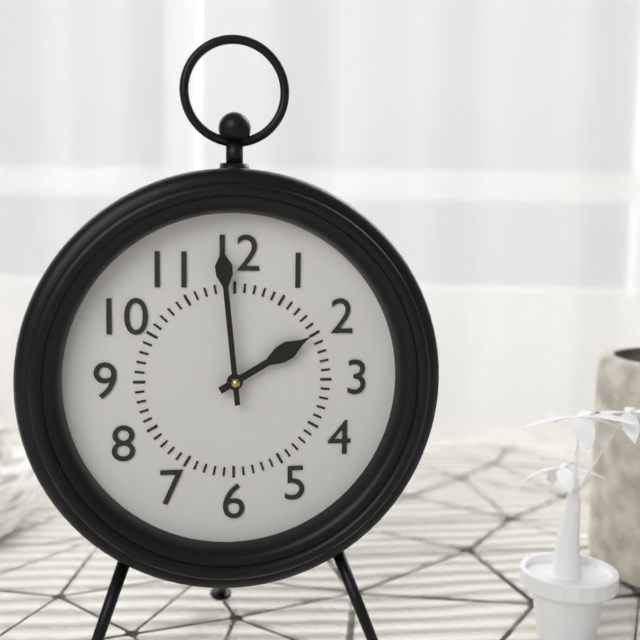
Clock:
{"hour": 1, "minute": 59}
